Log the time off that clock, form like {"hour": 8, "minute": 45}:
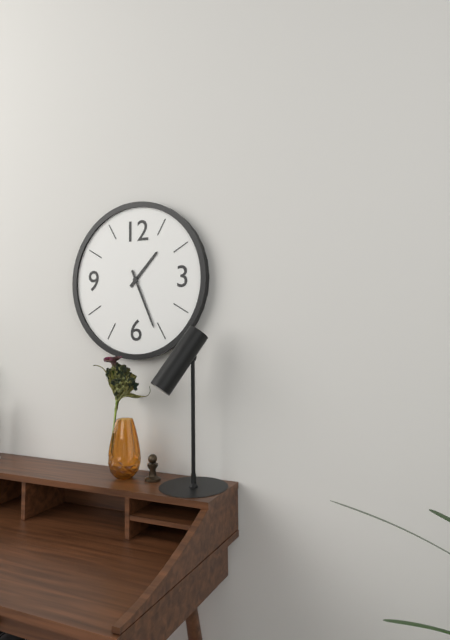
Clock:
{"hour": 1, "minute": 26}
